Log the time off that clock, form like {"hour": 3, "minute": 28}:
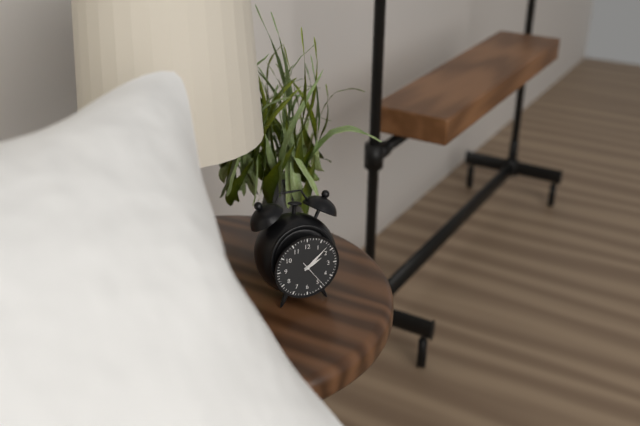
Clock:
{"hour": 2, "minute": 8}
